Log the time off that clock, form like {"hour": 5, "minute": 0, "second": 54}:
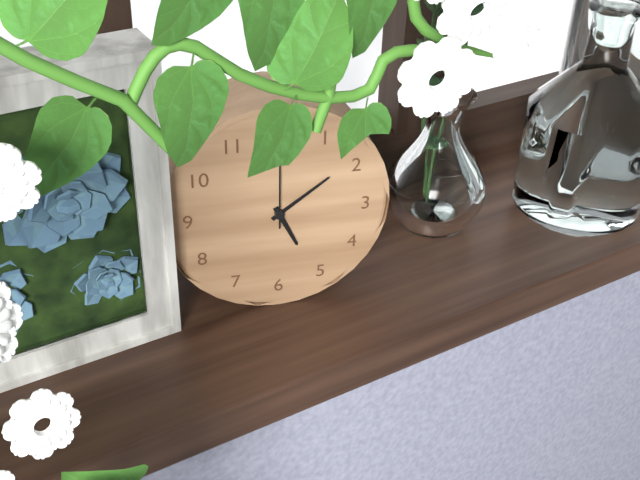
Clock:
{"hour": 5, "minute": 9, "second": 0}
